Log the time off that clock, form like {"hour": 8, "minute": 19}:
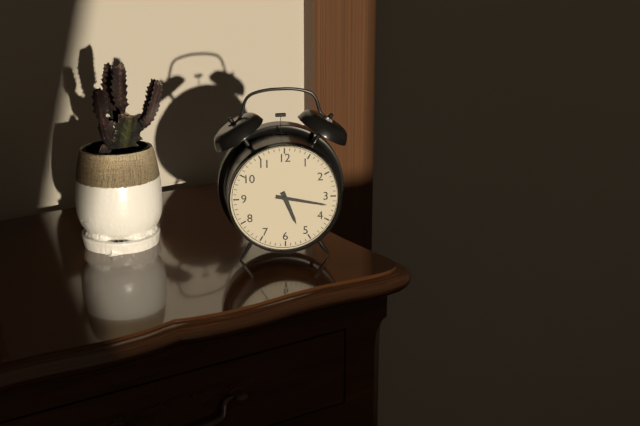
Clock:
{"hour": 5, "minute": 17}
